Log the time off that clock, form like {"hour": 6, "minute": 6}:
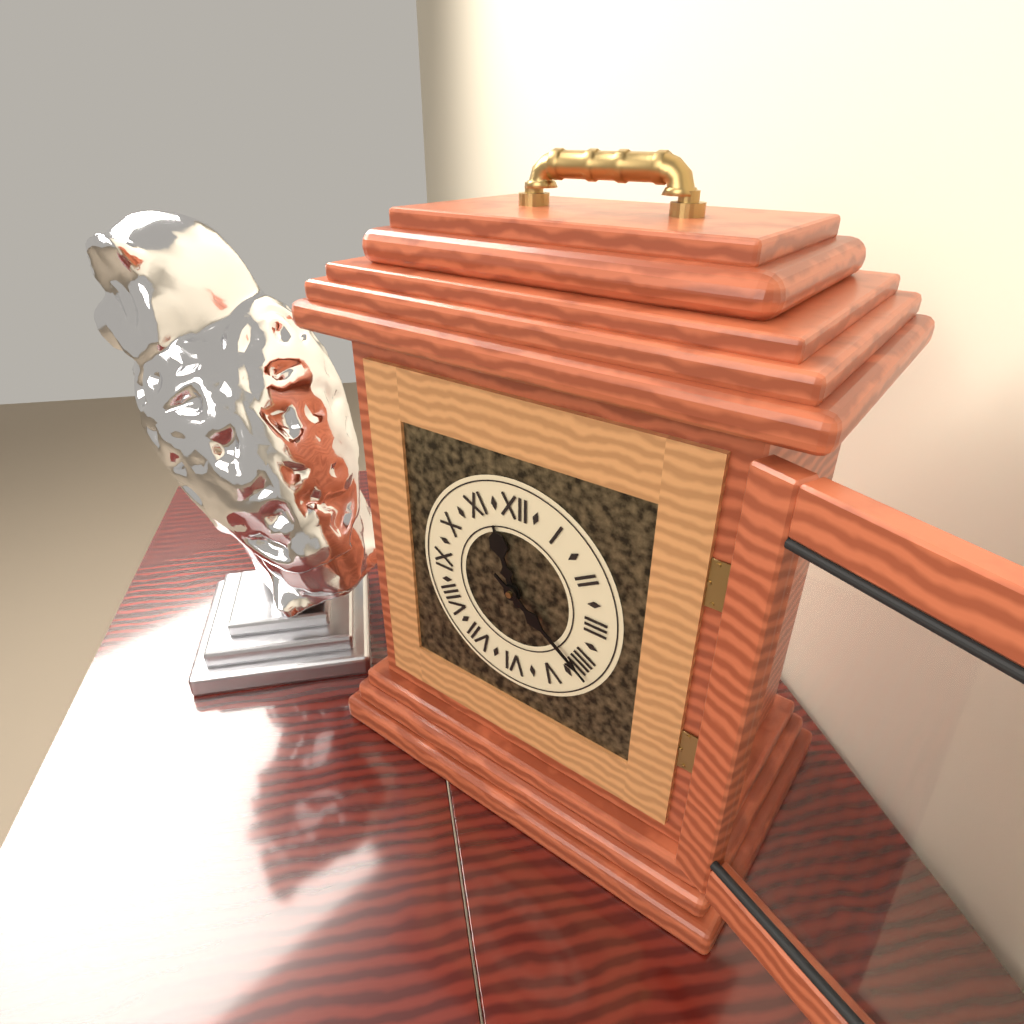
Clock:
{"hour": 11, "minute": 21}
